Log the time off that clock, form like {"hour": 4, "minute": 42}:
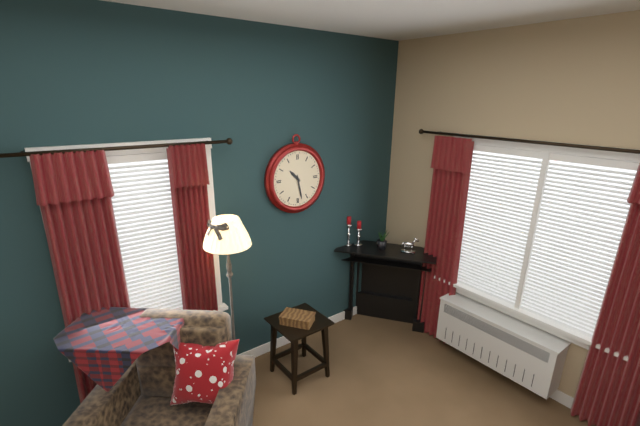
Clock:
{"hour": 10, "minute": 28}
